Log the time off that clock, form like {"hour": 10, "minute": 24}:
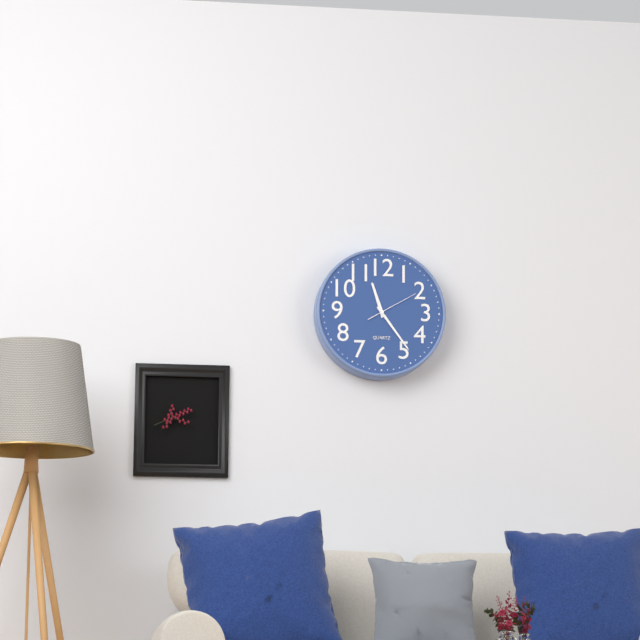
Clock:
{"hour": 11, "minute": 24}
